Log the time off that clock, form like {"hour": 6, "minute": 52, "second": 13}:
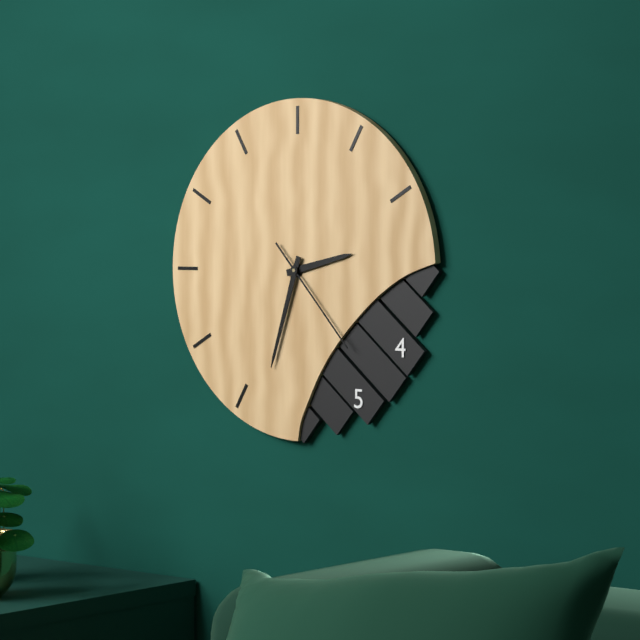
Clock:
{"hour": 2, "minute": 33, "second": 23}
